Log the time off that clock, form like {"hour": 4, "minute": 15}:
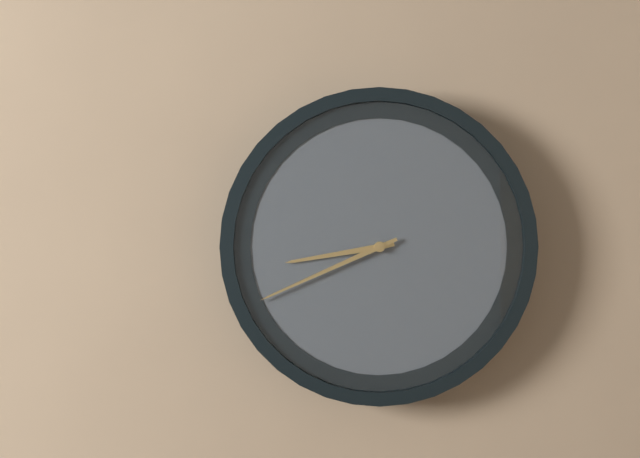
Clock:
{"hour": 8, "minute": 41}
